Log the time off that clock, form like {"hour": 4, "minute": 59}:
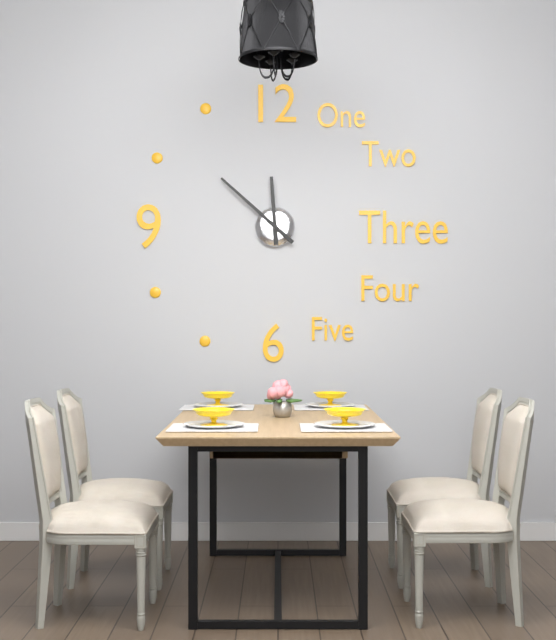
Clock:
{"hour": 11, "minute": 52}
